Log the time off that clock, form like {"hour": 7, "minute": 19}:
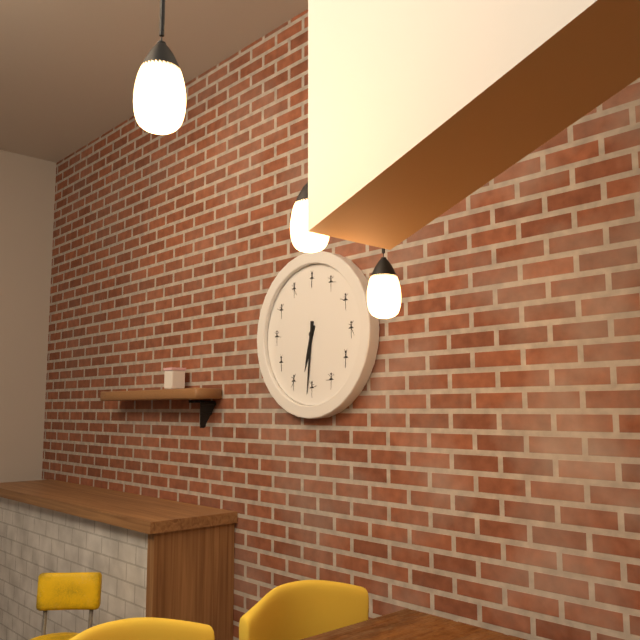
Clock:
{"hour": 6, "minute": 31}
